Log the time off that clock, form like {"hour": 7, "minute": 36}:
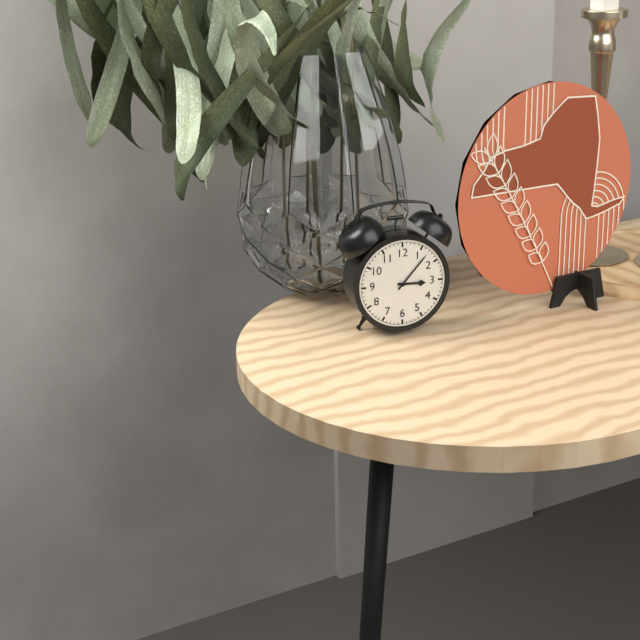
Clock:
{"hour": 3, "minute": 7}
